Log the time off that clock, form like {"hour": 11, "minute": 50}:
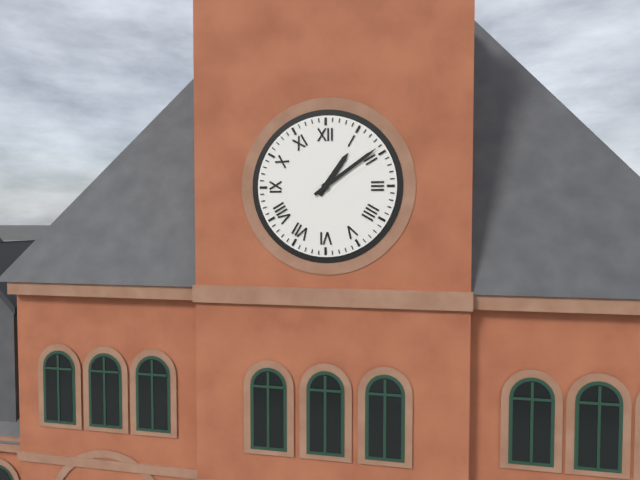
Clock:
{"hour": 1, "minute": 9}
